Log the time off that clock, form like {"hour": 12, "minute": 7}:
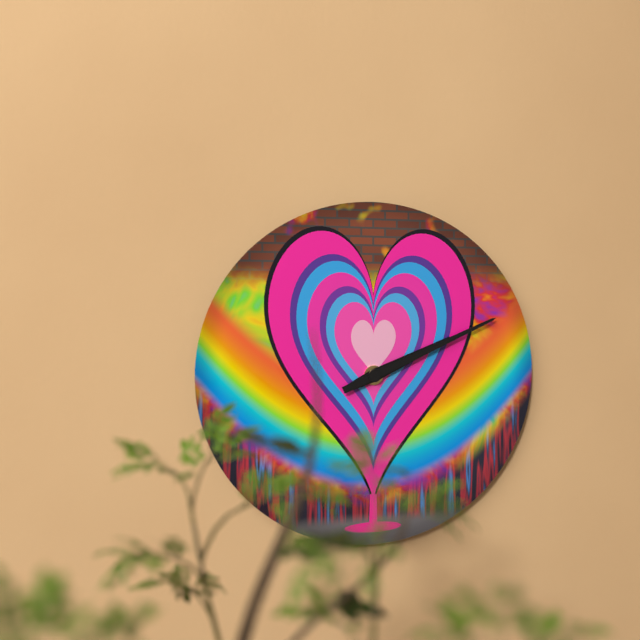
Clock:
{"hour": 2, "minute": 11}
